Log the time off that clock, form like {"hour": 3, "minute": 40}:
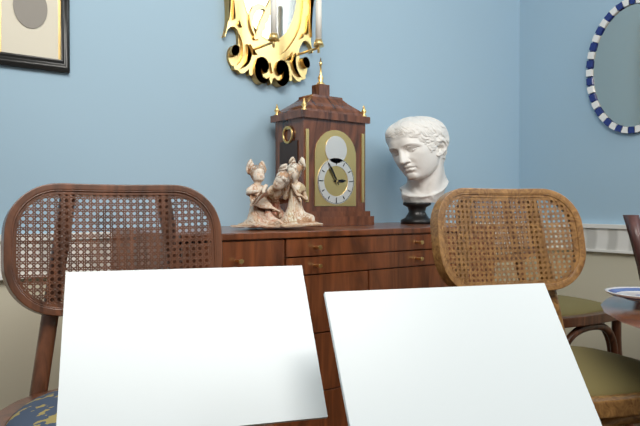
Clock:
{"hour": 2, "minute": 55}
